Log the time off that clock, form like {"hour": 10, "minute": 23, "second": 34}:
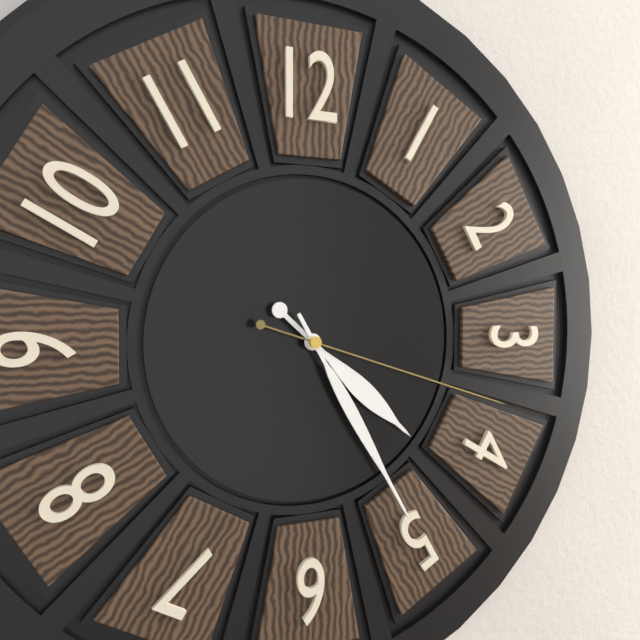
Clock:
{"hour": 4, "minute": 25, "second": 18}
